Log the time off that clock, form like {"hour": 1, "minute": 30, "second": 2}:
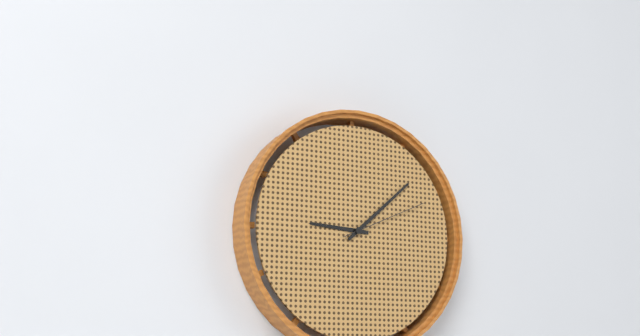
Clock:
{"hour": 9, "minute": 8, "second": 11}
